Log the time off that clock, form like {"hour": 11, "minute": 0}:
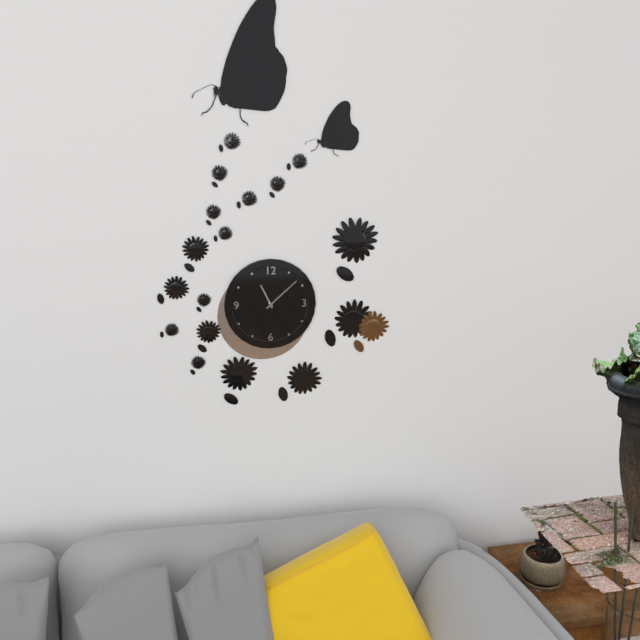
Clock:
{"hour": 11, "minute": 8}
